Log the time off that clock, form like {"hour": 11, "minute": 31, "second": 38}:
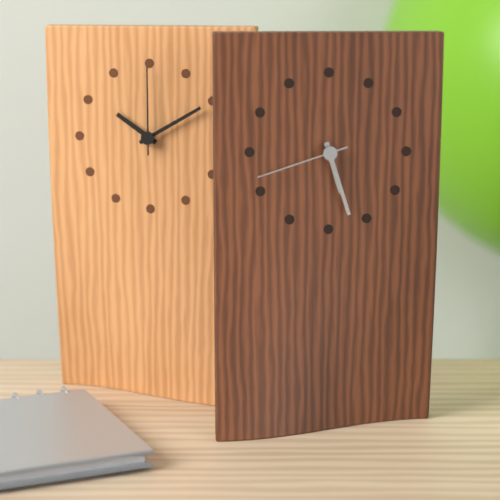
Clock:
{"hour": 5, "minute": 27, "second": 42}
